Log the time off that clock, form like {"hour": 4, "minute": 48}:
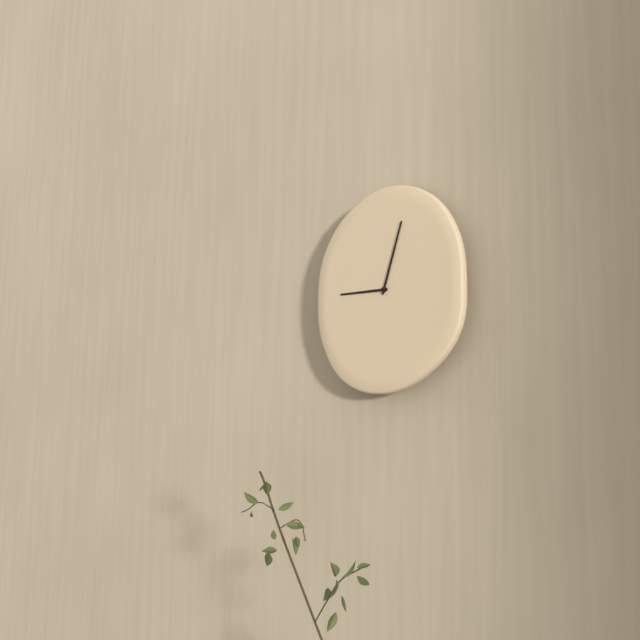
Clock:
{"hour": 9, "minute": 3}
